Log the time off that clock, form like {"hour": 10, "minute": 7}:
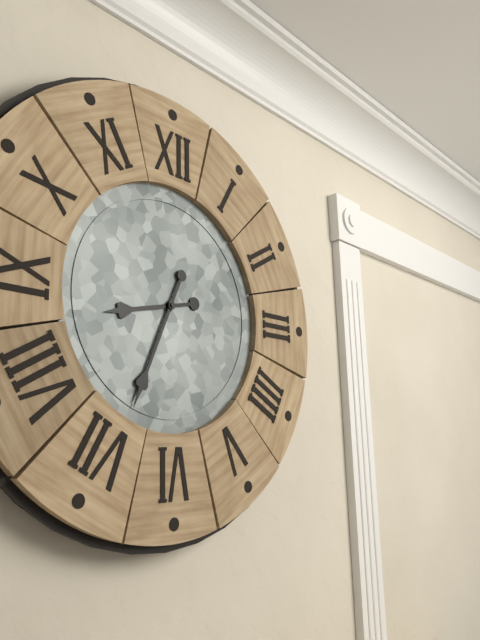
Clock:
{"hour": 8, "minute": 34}
